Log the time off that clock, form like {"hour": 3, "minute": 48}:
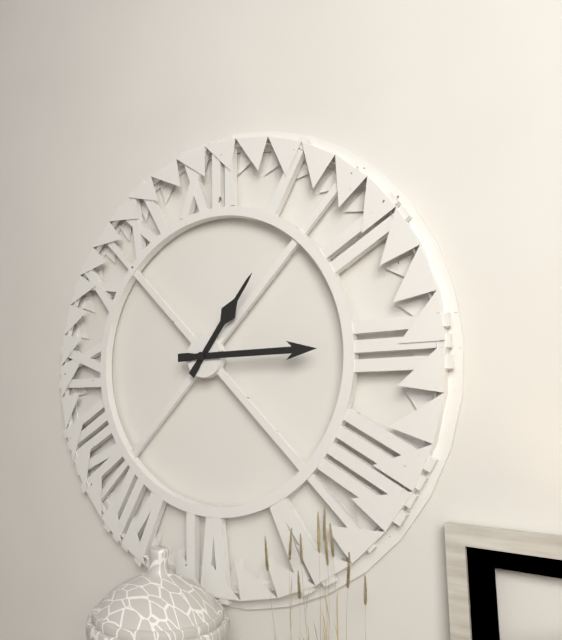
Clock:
{"hour": 1, "minute": 15}
